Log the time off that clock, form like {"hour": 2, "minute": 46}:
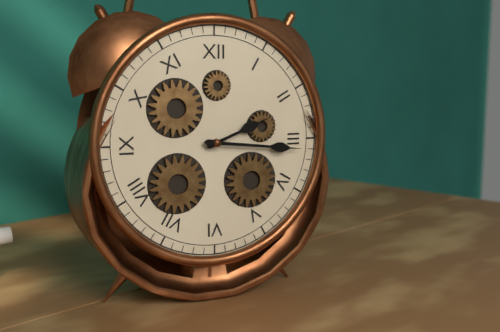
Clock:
{"hour": 2, "minute": 16}
